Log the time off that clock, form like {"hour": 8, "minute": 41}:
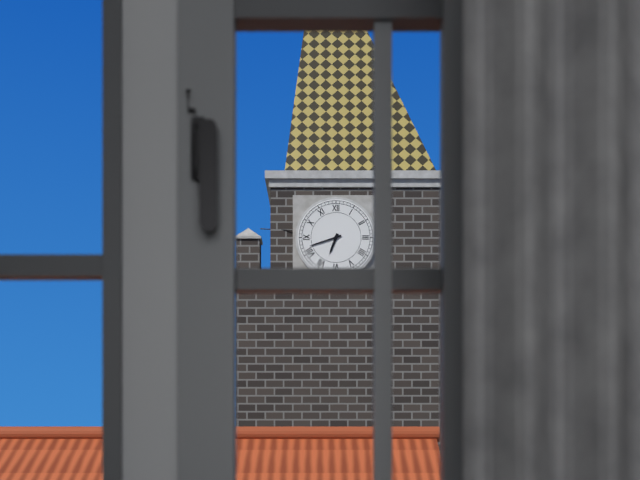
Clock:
{"hour": 6, "minute": 42}
